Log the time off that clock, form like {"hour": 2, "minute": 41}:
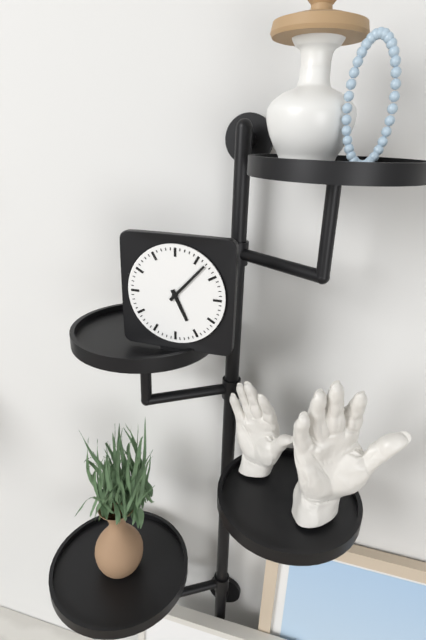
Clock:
{"hour": 5, "minute": 7}
